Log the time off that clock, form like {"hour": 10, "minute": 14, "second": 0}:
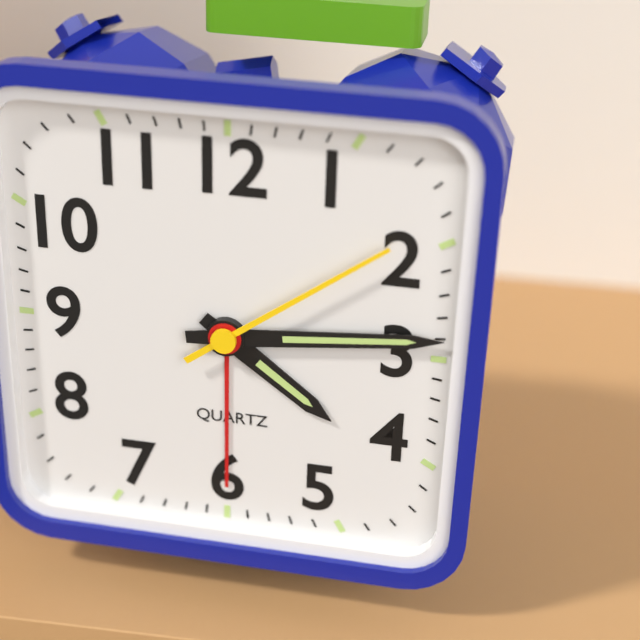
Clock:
{"hour": 4, "minute": 14, "second": 9}
